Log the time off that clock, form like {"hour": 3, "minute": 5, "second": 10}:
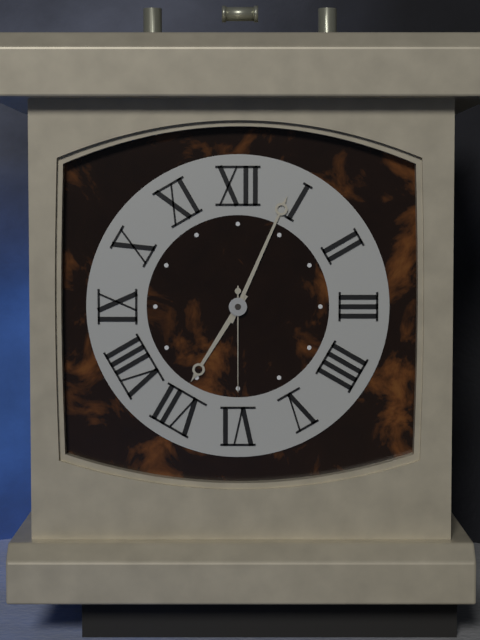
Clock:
{"hour": 7, "minute": 4, "second": 30}
